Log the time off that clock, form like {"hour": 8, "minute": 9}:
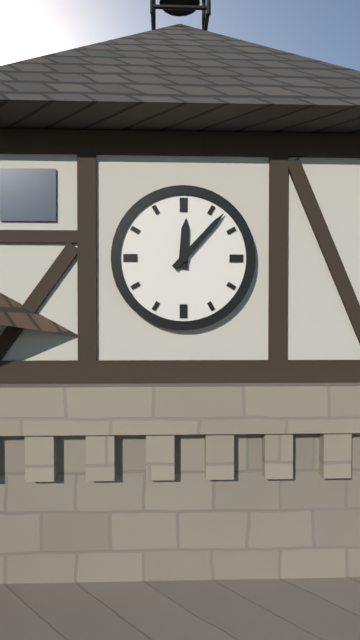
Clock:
{"hour": 12, "minute": 7}
